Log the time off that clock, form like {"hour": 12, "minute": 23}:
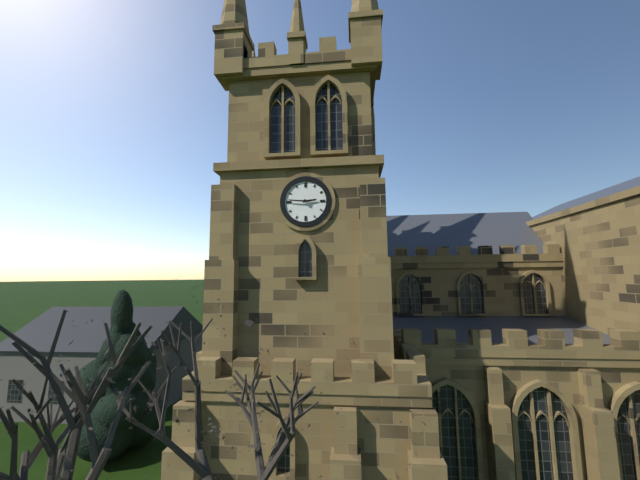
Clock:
{"hour": 2, "minute": 46}
